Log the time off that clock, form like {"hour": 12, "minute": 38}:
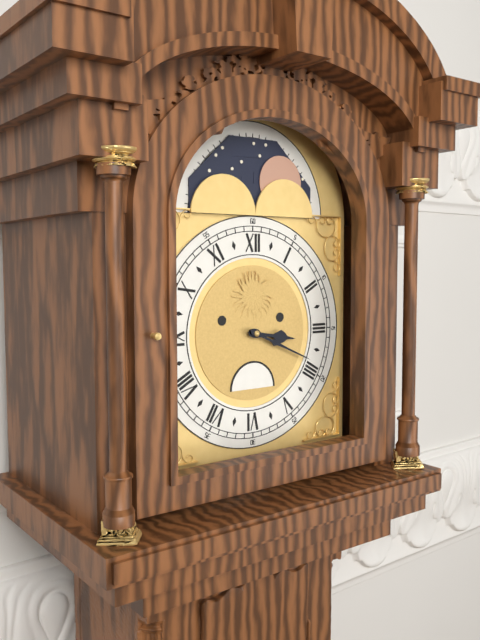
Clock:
{"hour": 3, "minute": 19}
